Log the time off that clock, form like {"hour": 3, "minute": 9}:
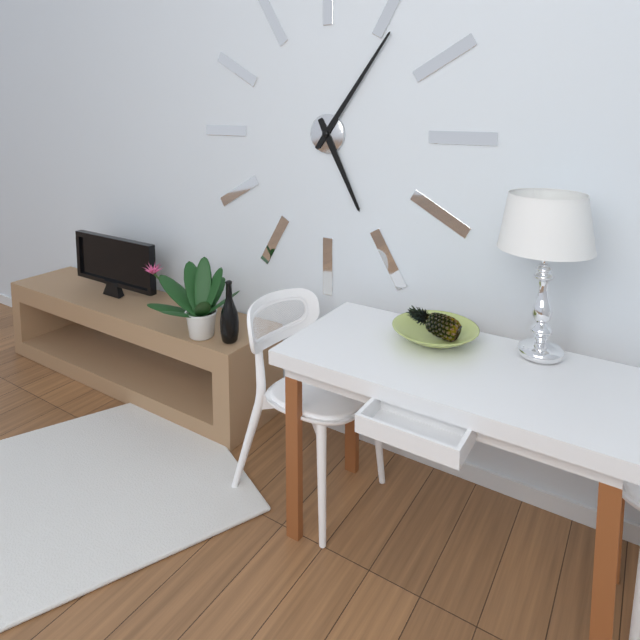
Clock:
{"hour": 5, "minute": 6}
